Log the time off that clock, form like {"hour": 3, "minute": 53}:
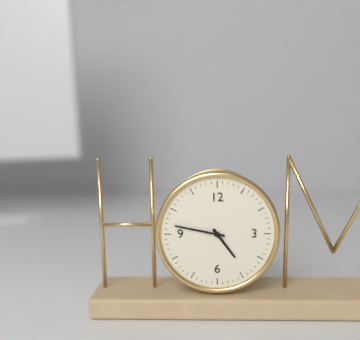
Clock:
{"hour": 4, "minute": 47}
